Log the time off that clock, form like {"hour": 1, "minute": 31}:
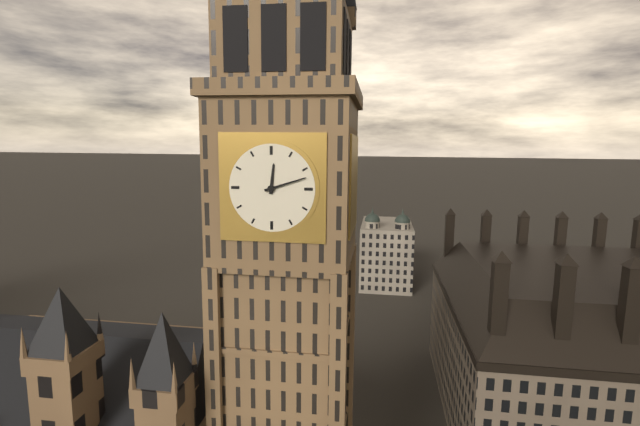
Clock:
{"hour": 12, "minute": 12}
